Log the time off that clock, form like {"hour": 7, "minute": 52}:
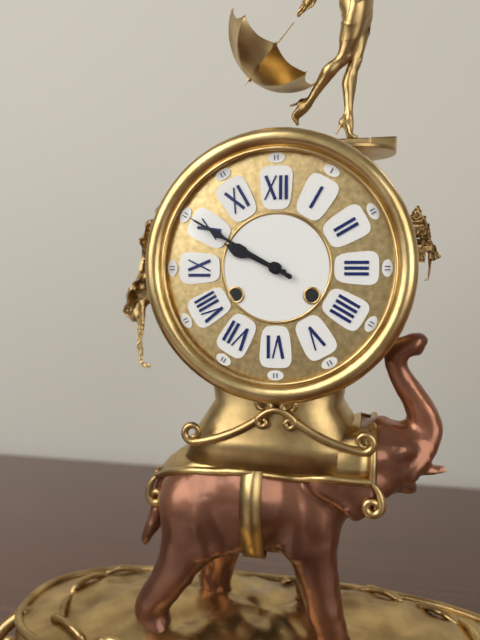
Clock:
{"hour": 9, "minute": 50}
